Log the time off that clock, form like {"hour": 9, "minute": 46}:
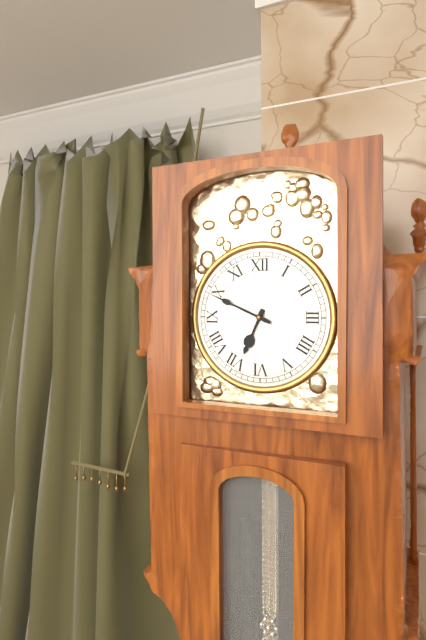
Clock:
{"hour": 6, "minute": 49}
